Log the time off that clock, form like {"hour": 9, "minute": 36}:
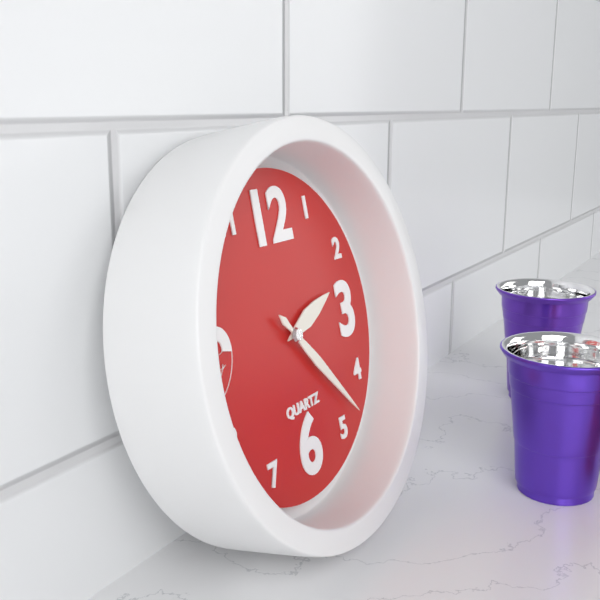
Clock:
{"hour": 2, "minute": 23}
